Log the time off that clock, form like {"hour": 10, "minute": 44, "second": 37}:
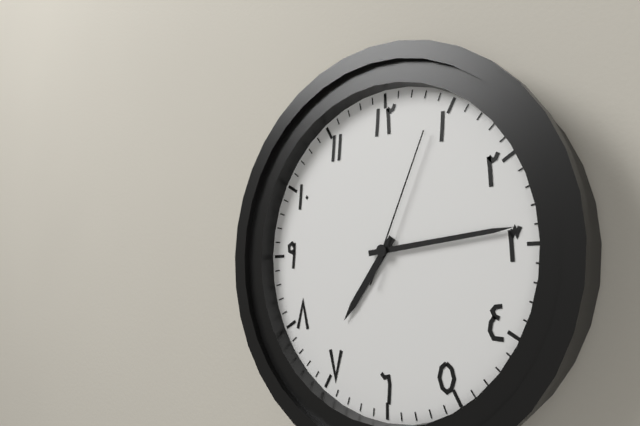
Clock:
{"hour": 7, "minute": 14, "second": 4}
